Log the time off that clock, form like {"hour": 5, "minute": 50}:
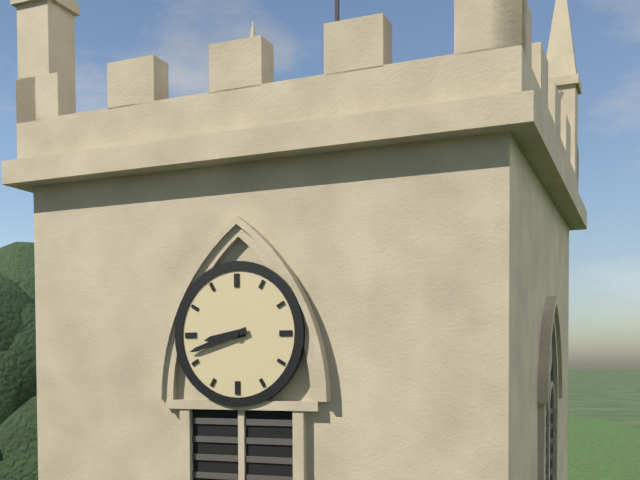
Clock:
{"hour": 8, "minute": 42}
